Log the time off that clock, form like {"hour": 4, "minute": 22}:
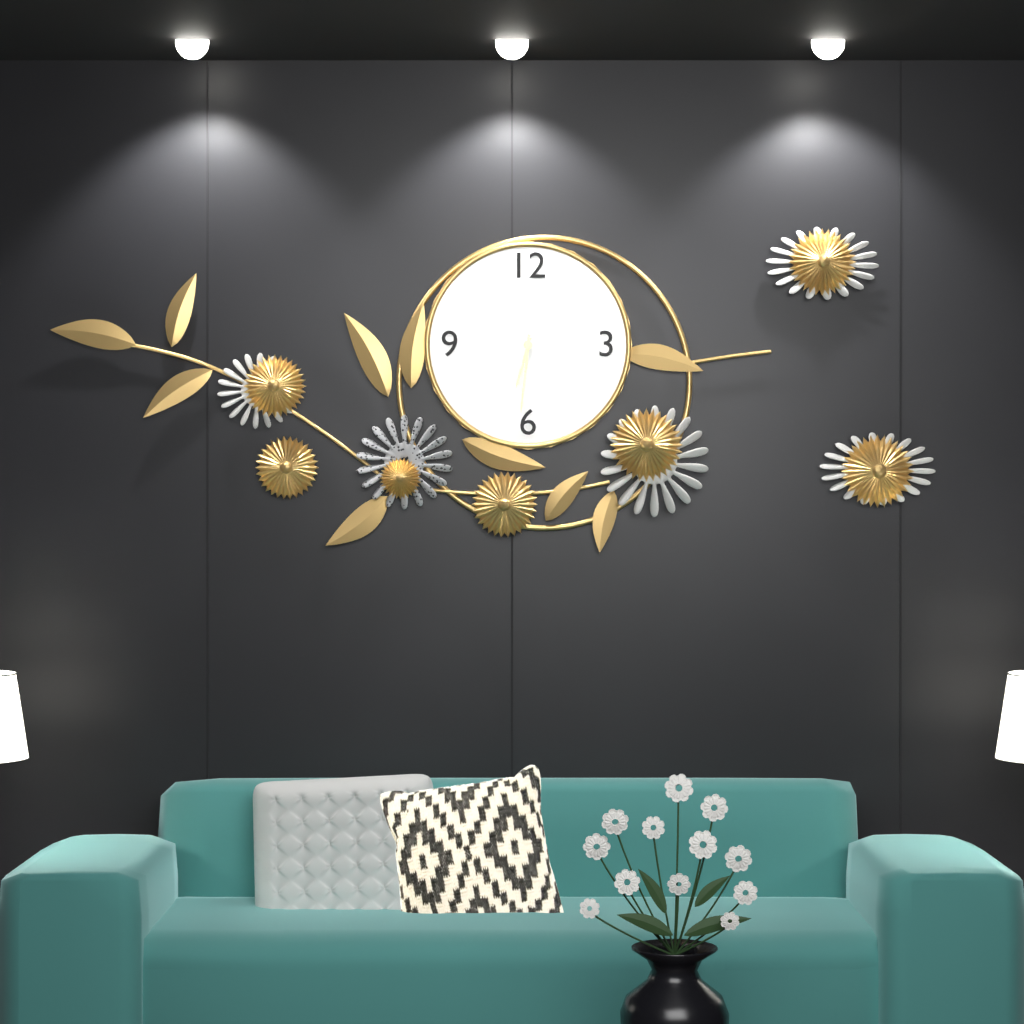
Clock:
{"hour": 6, "minute": 31}
